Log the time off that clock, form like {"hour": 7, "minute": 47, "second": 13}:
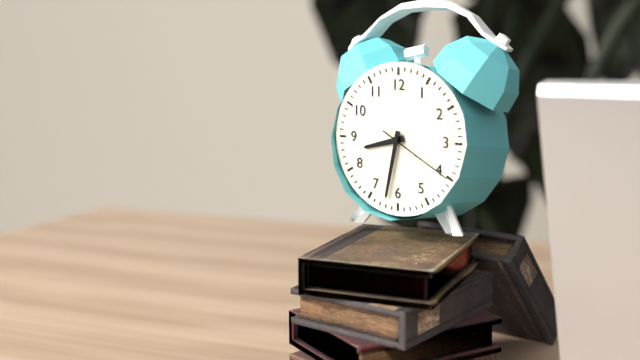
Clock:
{"hour": 8, "minute": 32, "second": 20}
